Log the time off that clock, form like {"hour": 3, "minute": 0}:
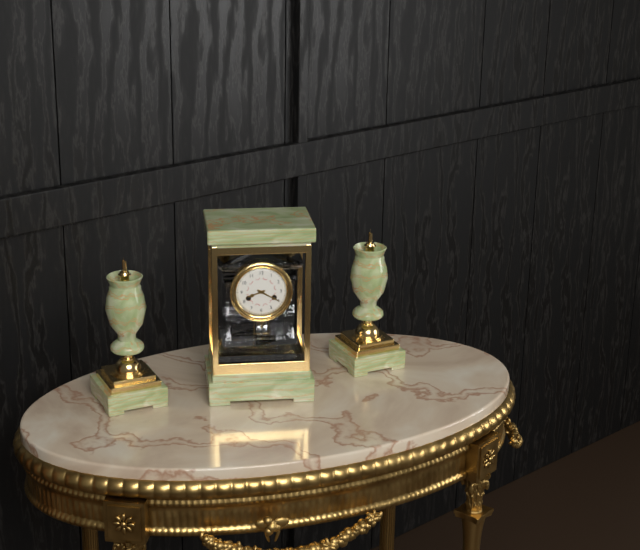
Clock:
{"hour": 8, "minute": 20}
